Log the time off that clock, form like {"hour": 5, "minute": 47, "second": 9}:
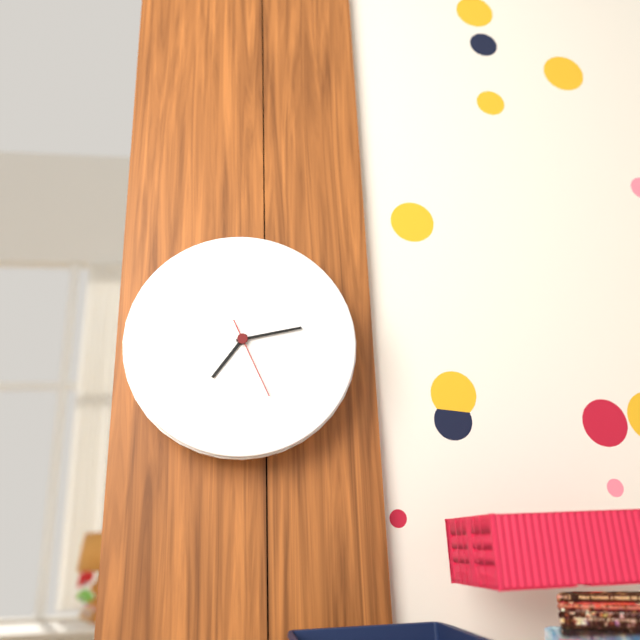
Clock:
{"hour": 7, "minute": 13, "second": 26}
